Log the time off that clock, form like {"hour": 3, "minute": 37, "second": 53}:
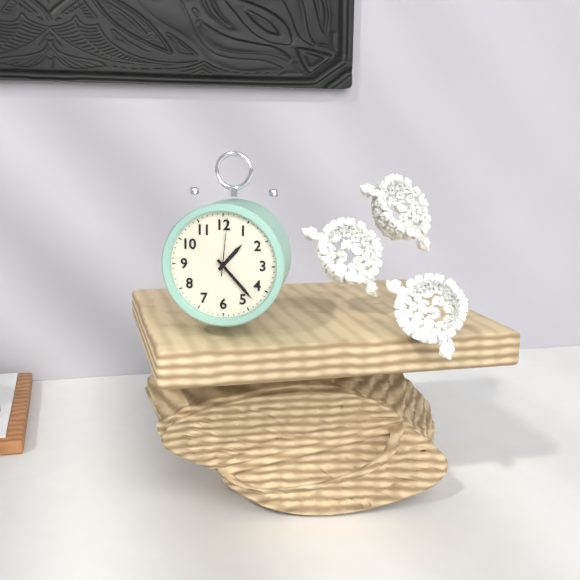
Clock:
{"hour": 1, "minute": 23, "second": 1}
